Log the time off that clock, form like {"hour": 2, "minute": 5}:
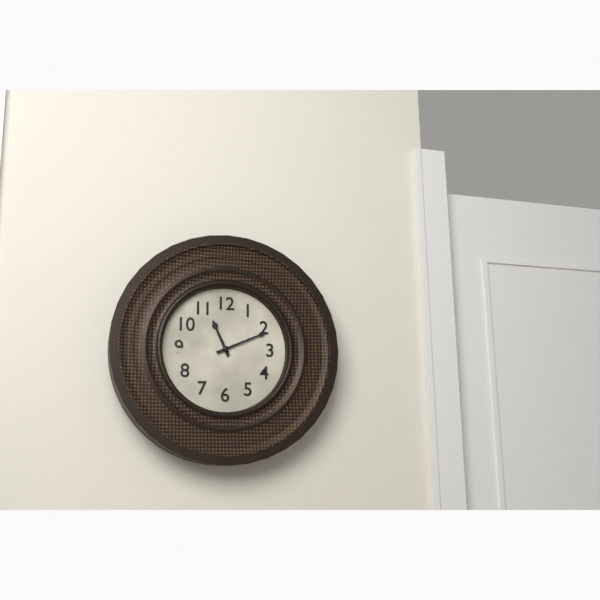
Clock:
{"hour": 11, "minute": 11}
